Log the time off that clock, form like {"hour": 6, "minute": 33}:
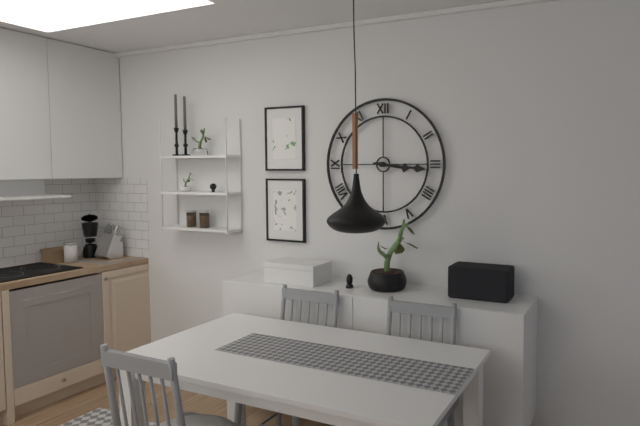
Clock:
{"hour": 3, "minute": 16}
